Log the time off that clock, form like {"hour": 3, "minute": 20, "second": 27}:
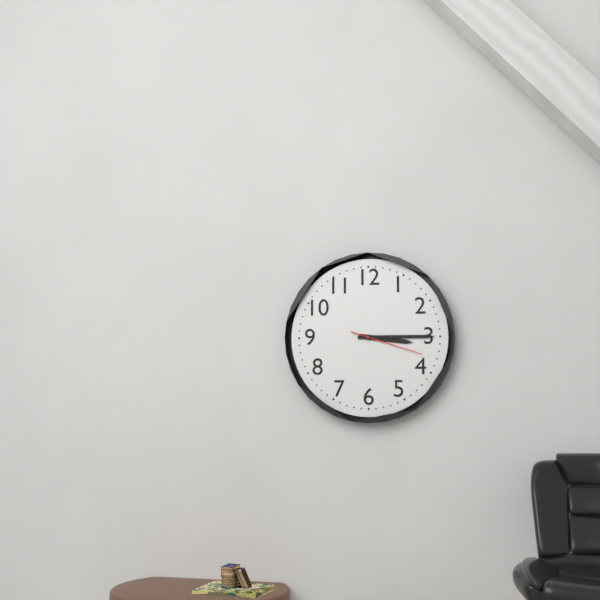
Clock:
{"hour": 3, "minute": 15, "second": 18}
